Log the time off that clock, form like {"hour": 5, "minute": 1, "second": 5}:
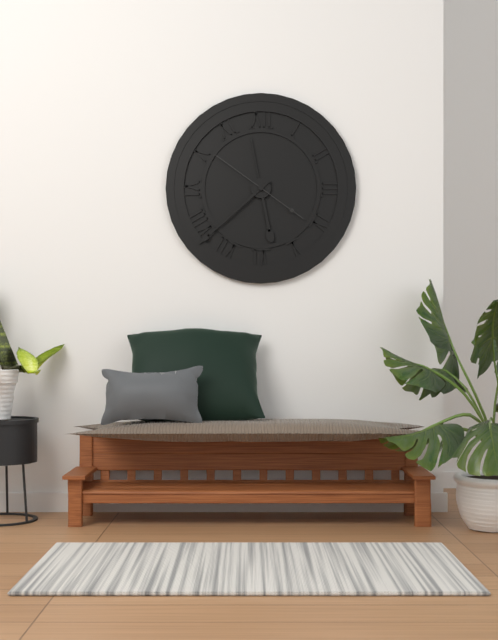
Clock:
{"hour": 5, "minute": 38, "second": 51}
